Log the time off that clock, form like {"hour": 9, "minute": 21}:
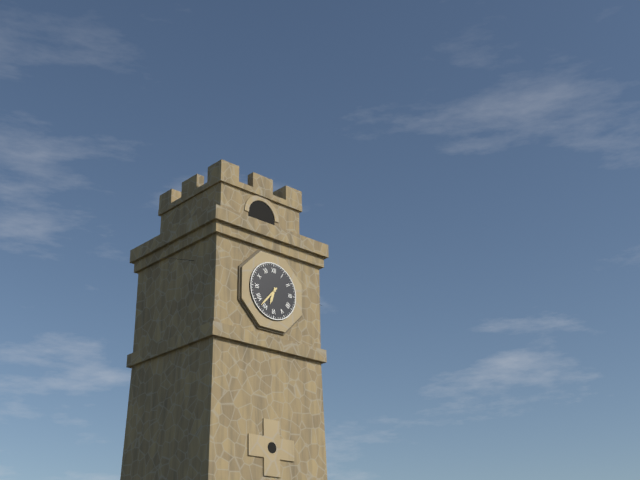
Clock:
{"hour": 6, "minute": 37}
